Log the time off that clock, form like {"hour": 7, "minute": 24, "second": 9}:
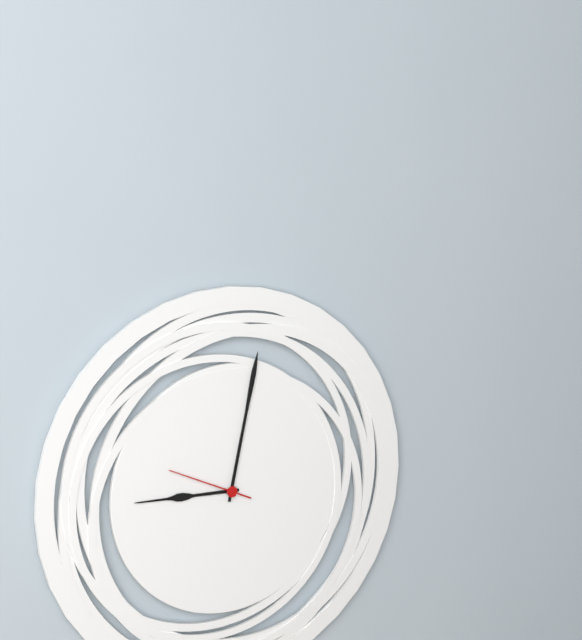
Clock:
{"hour": 9, "minute": 2, "second": 49}
